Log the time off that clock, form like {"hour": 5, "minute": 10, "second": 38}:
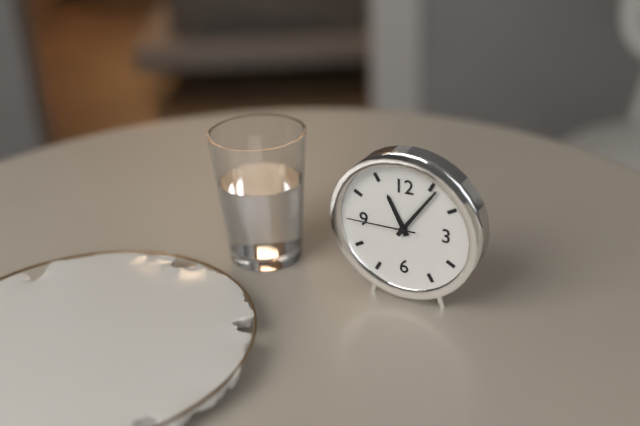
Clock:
{"hour": 11, "minute": 6, "second": 45}
